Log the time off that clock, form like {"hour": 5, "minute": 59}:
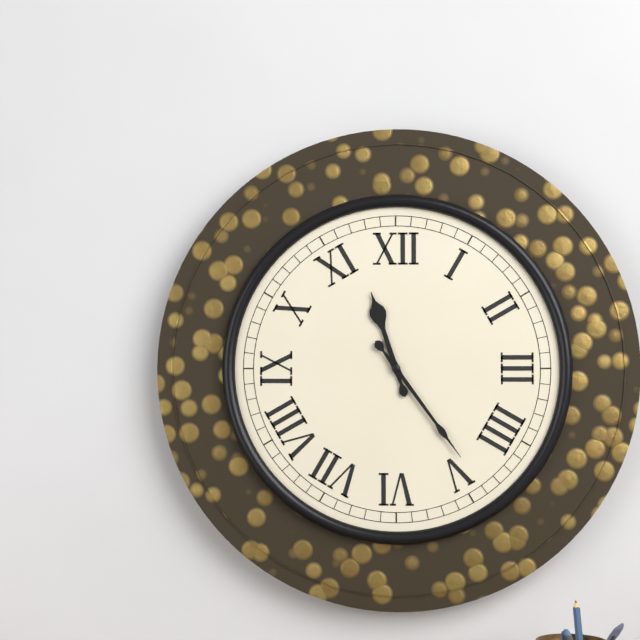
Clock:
{"hour": 11, "minute": 24}
